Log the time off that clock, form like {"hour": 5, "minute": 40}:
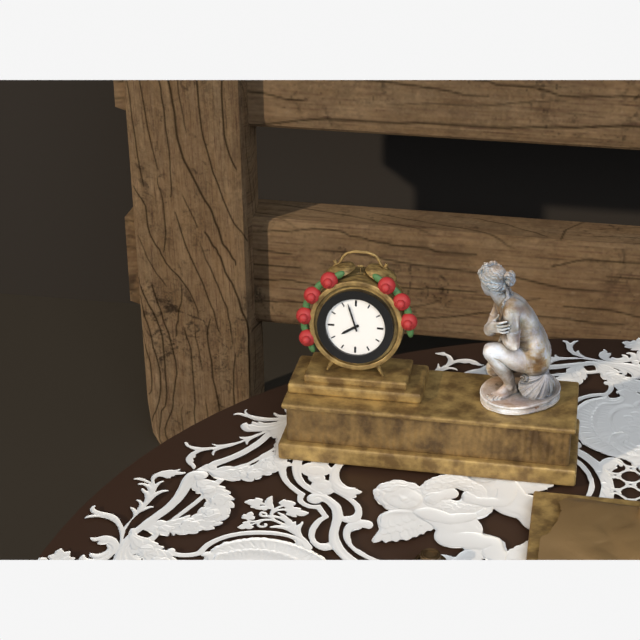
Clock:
{"hour": 7, "minute": 57}
